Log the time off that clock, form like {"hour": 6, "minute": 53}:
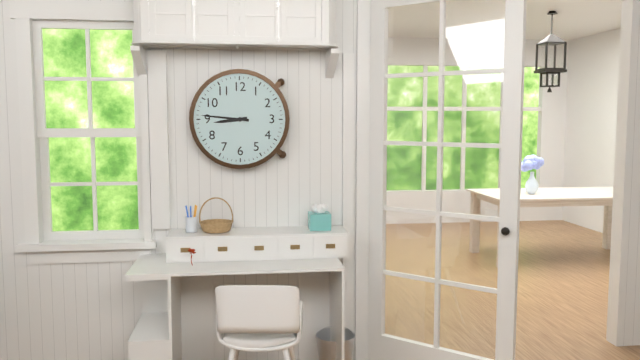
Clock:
{"hour": 8, "minute": 46}
